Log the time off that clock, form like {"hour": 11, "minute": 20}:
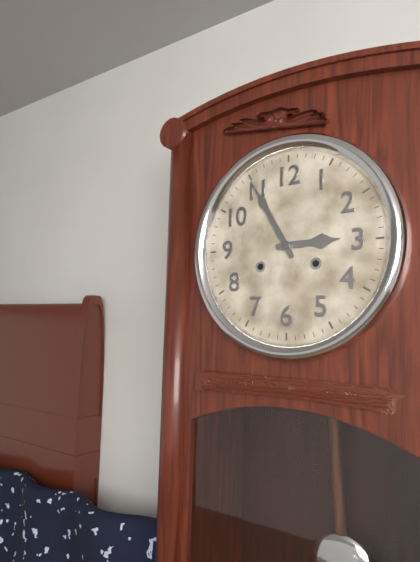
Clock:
{"hour": 2, "minute": 55}
